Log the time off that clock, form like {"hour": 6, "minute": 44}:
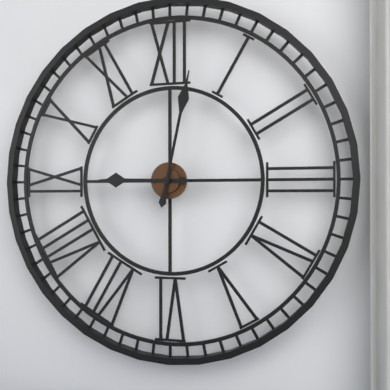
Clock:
{"hour": 9, "minute": 2}
